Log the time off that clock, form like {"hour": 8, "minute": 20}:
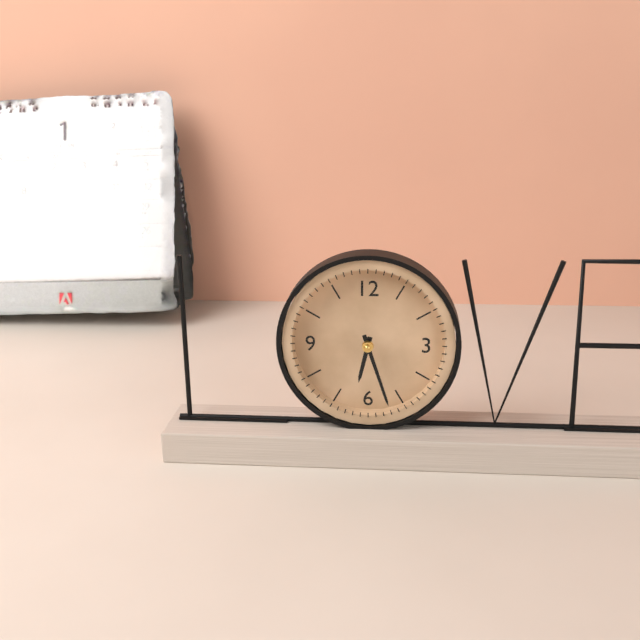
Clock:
{"hour": 6, "minute": 27}
